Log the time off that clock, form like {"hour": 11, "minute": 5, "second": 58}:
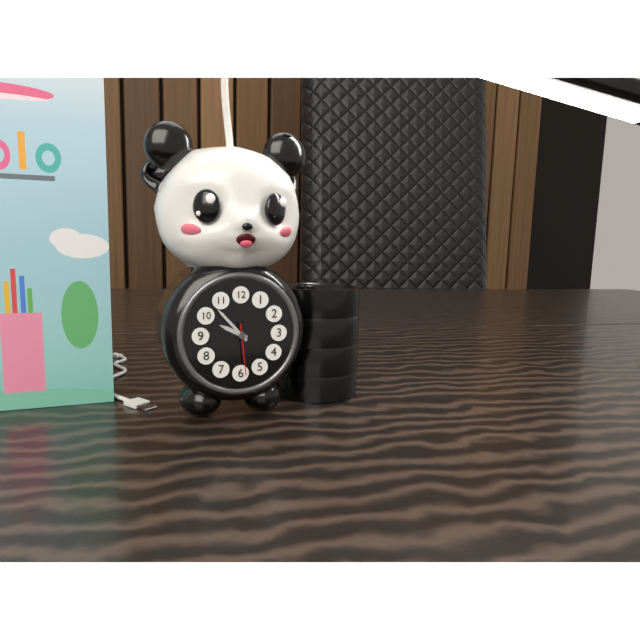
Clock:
{"hour": 9, "minute": 53, "second": 29}
